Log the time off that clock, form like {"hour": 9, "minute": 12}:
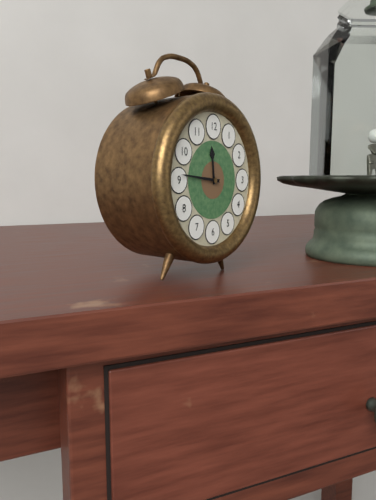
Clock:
{"hour": 11, "minute": 46}
